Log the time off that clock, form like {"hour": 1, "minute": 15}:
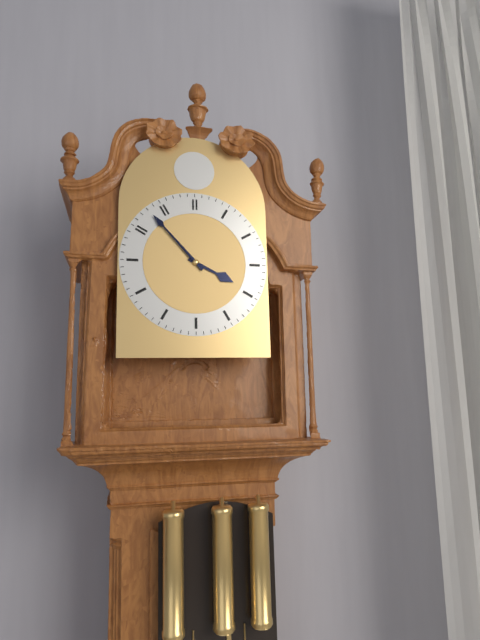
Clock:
{"hour": 3, "minute": 53}
